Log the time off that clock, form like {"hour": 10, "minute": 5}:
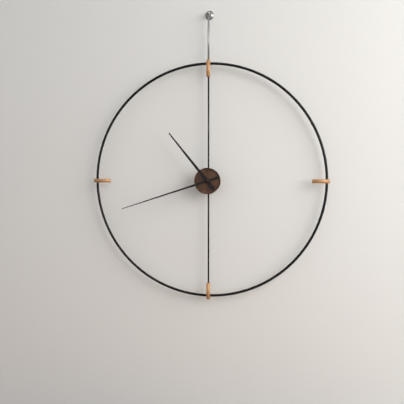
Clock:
{"hour": 10, "minute": 42}
